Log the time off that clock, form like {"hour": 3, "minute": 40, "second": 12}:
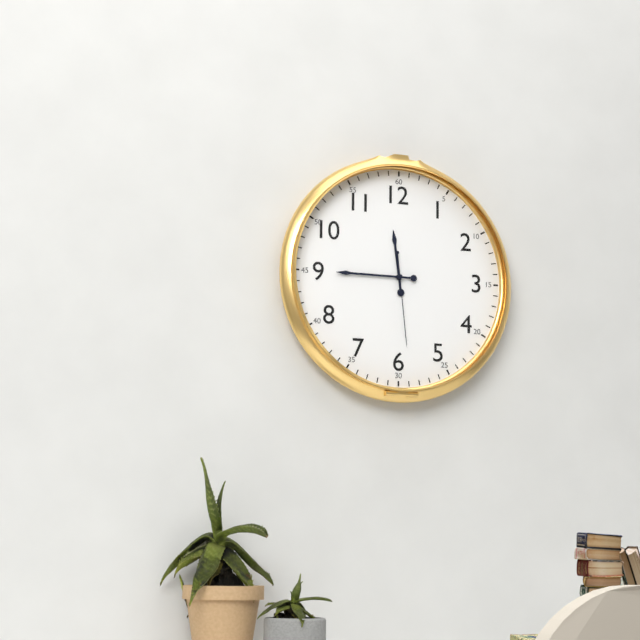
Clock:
{"hour": 11, "minute": 45, "second": 29}
